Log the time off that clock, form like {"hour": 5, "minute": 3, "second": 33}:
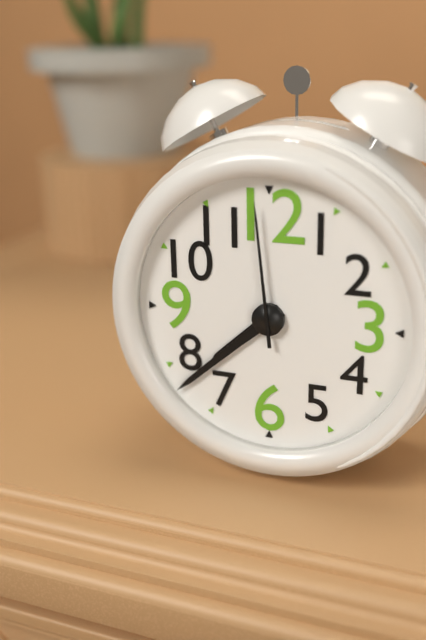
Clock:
{"hour": 7, "minute": 38, "second": 59}
